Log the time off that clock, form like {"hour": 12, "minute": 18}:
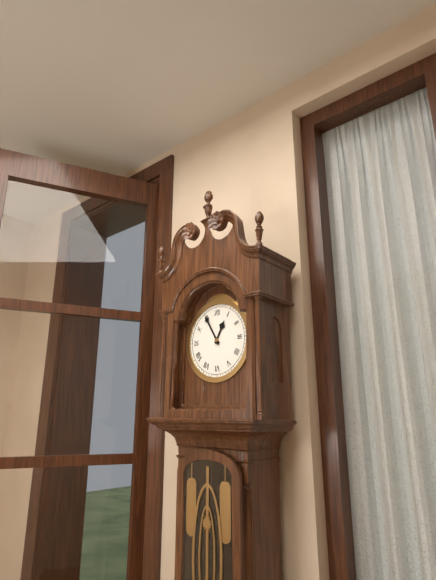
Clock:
{"hour": 12, "minute": 55}
